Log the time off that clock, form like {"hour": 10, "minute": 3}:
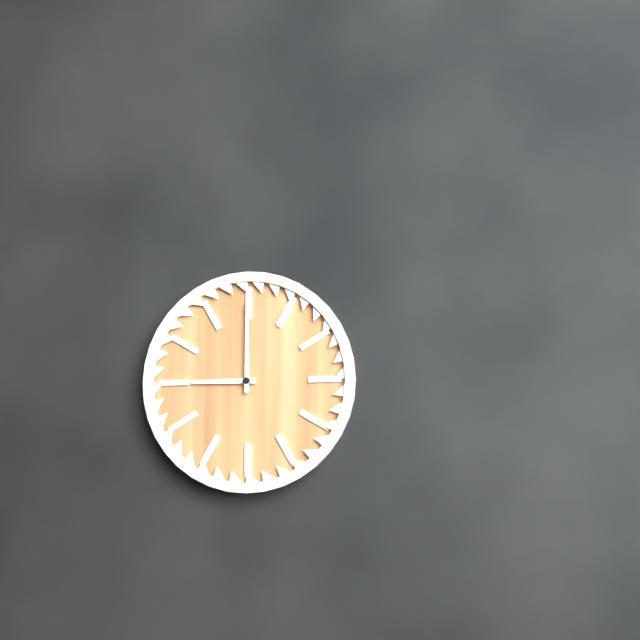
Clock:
{"hour": 9, "minute": 0}
